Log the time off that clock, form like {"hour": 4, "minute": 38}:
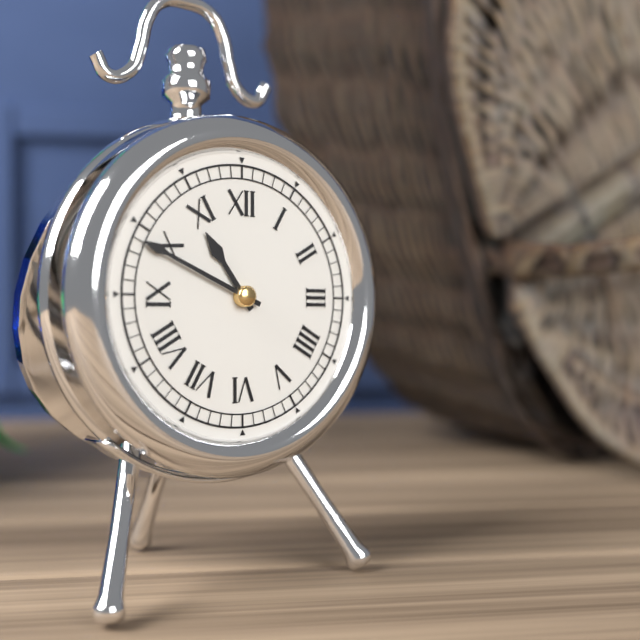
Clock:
{"hour": 10, "minute": 49}
